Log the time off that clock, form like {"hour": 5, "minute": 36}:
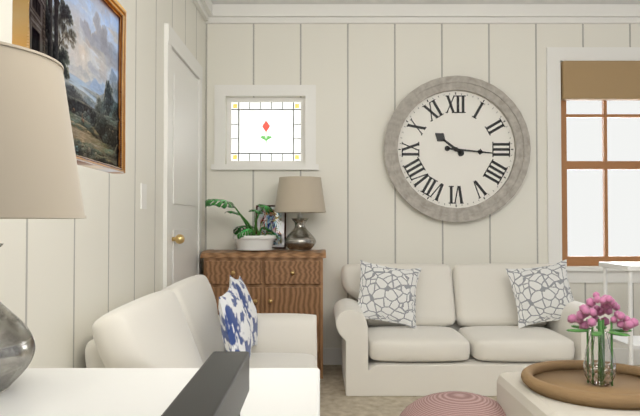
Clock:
{"hour": 10, "minute": 16}
